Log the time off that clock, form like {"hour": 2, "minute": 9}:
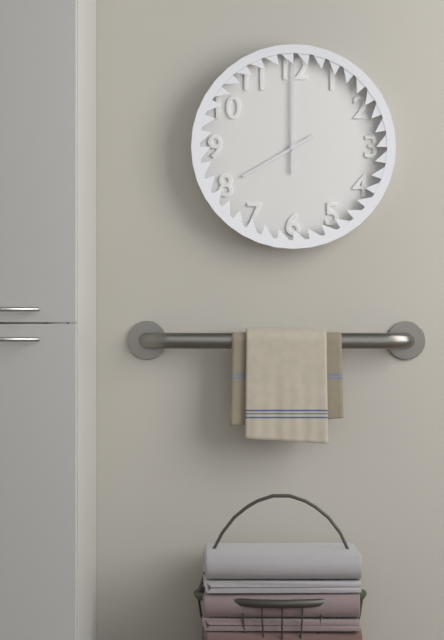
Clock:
{"hour": 8, "minute": 0}
